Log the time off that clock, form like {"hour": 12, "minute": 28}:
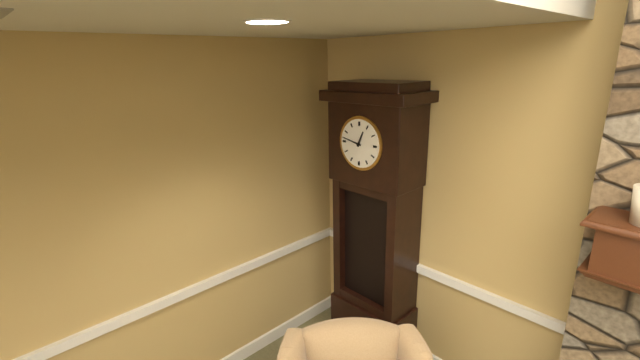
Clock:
{"hour": 12, "minute": 47}
